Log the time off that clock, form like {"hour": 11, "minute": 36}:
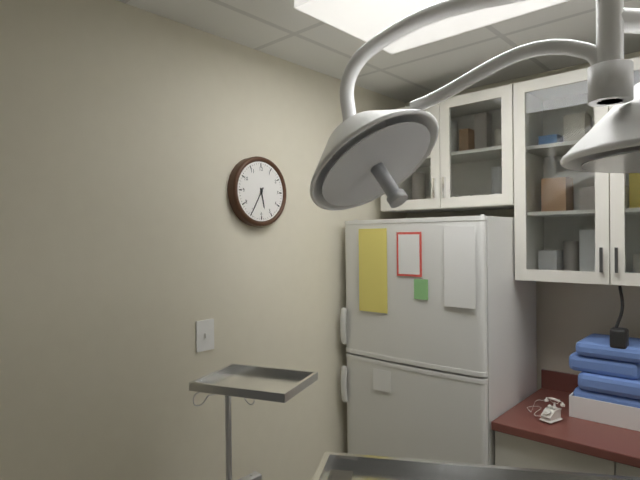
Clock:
{"hour": 5, "minute": 35}
